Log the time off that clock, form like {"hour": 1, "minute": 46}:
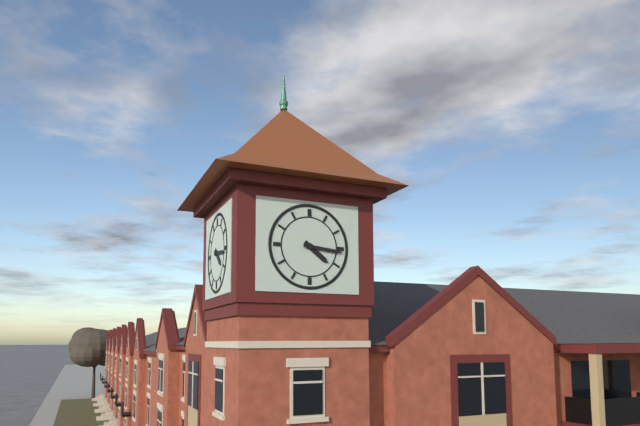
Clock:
{"hour": 4, "minute": 16}
